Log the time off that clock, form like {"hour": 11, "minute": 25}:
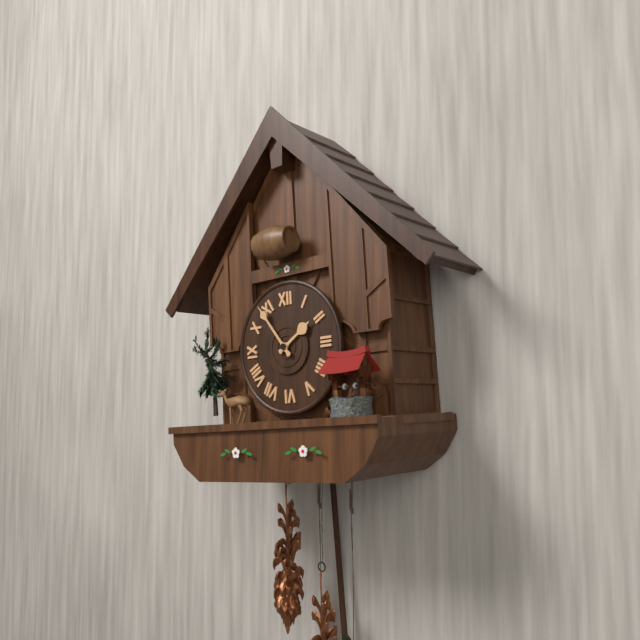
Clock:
{"hour": 1, "minute": 54}
